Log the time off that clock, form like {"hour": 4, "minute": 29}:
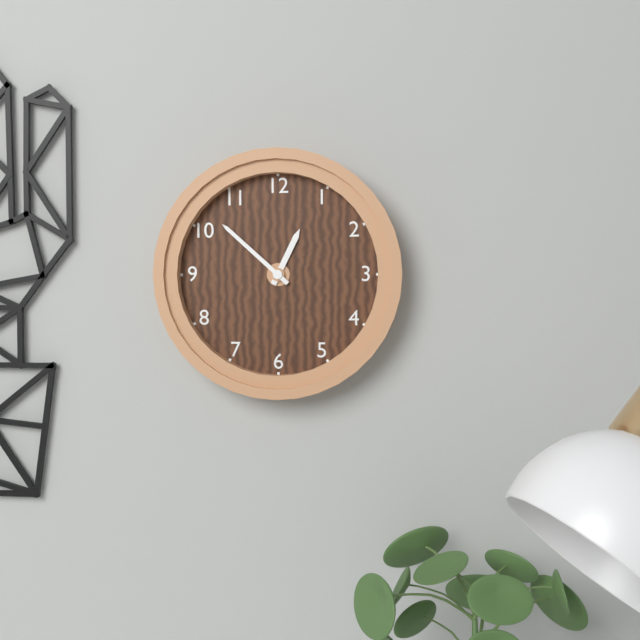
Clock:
{"hour": 12, "minute": 52}
